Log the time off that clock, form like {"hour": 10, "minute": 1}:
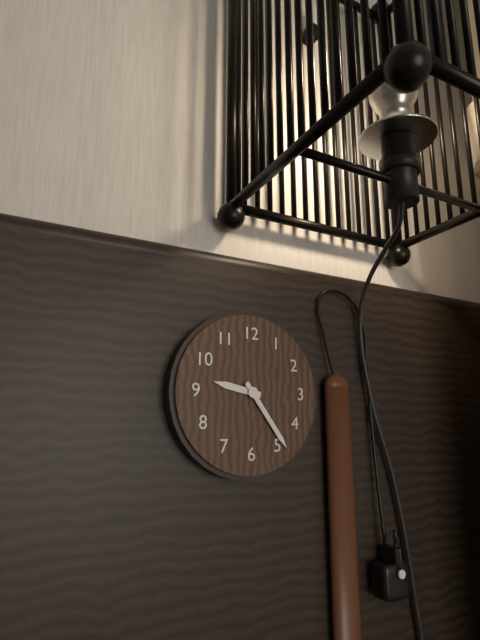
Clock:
{"hour": 9, "minute": 24}
